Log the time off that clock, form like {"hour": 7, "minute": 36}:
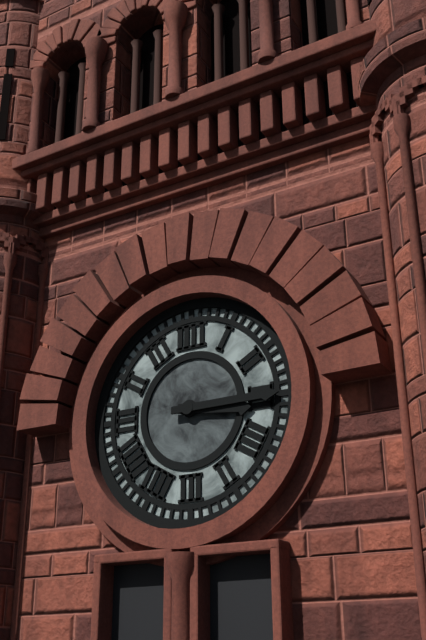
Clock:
{"hour": 3, "minute": 15}
